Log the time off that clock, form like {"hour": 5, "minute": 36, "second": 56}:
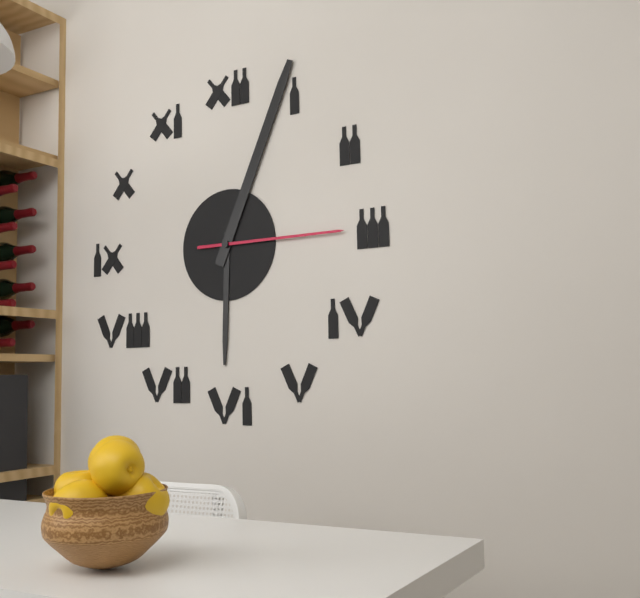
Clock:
{"hour": 6, "minute": 4, "second": 15}
